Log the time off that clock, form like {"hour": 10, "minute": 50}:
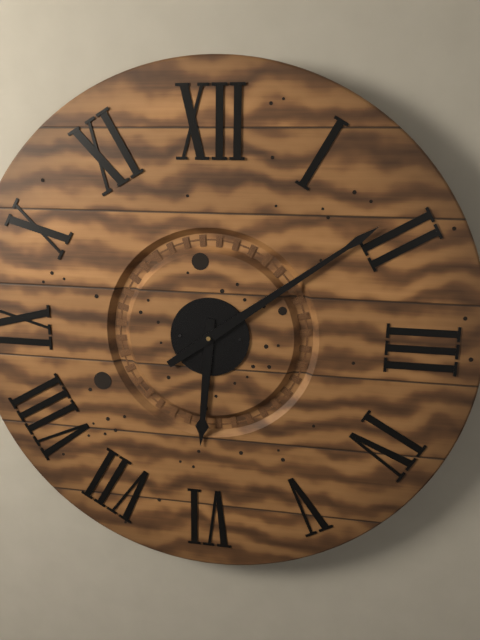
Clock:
{"hour": 6, "minute": 9}
